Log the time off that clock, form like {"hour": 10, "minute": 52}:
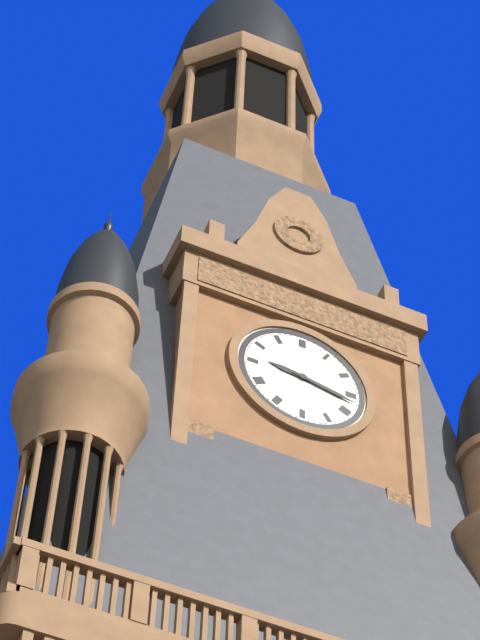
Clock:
{"hour": 9, "minute": 17}
